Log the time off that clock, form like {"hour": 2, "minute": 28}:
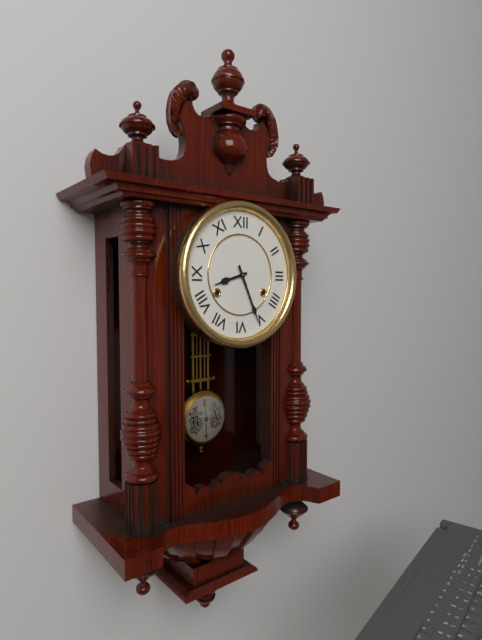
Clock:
{"hour": 8, "minute": 26}
